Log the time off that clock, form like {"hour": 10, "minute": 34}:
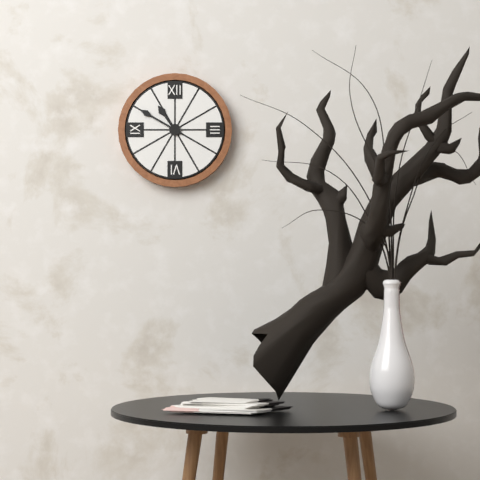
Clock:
{"hour": 10, "minute": 50}
